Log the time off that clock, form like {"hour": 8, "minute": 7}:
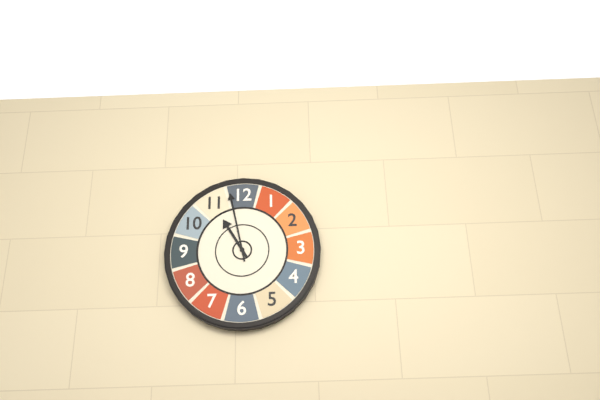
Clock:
{"hour": 10, "minute": 58}
